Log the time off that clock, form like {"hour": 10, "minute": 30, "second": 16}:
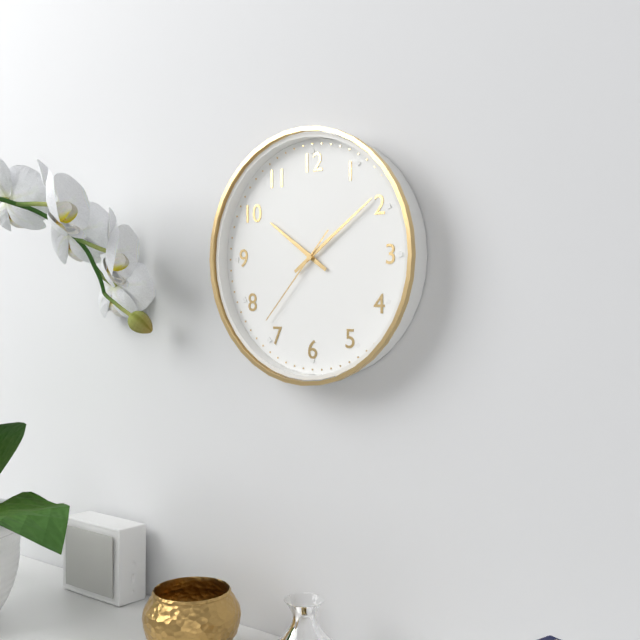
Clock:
{"hour": 10, "minute": 9, "second": 37}
